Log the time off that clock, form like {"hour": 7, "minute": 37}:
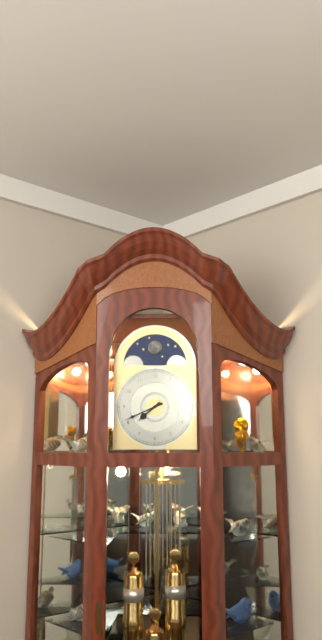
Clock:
{"hour": 7, "minute": 41}
